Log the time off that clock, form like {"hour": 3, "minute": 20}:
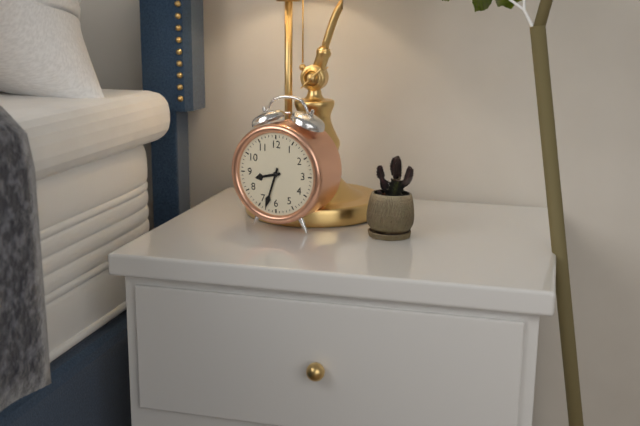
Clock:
{"hour": 8, "minute": 33}
